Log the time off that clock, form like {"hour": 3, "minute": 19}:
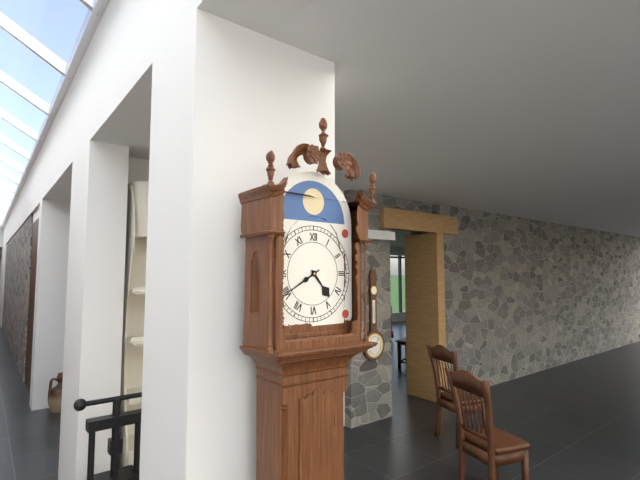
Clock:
{"hour": 4, "minute": 40}
